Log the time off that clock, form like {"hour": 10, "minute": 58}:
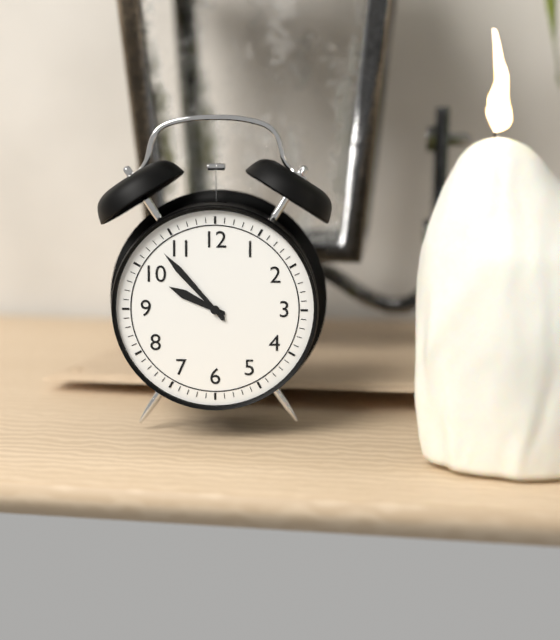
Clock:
{"hour": 9, "minute": 53}
